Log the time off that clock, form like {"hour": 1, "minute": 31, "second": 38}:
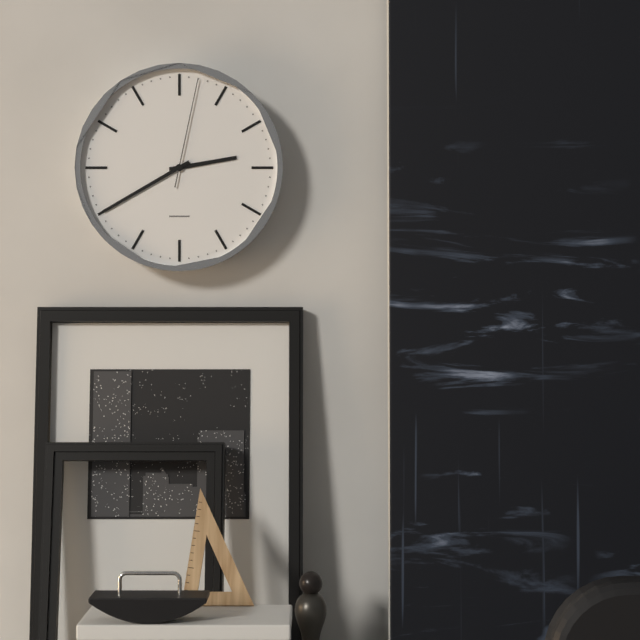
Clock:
{"hour": 2, "minute": 40, "second": 2}
